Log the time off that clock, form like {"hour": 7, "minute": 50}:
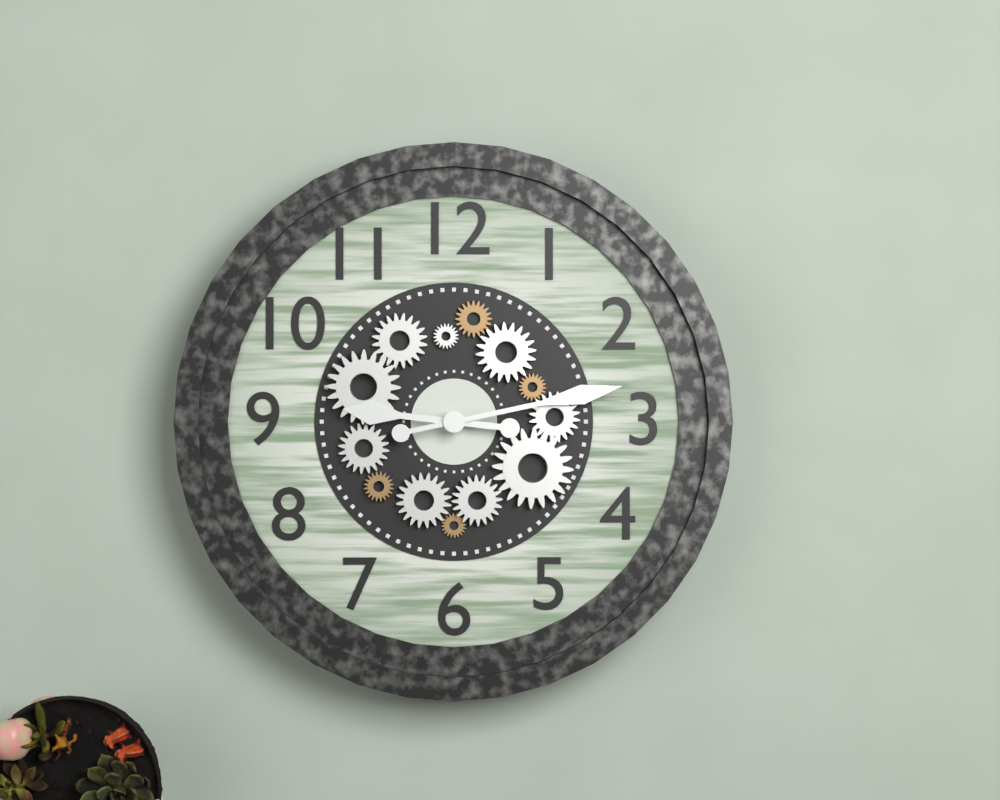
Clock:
{"hour": 9, "minute": 13}
